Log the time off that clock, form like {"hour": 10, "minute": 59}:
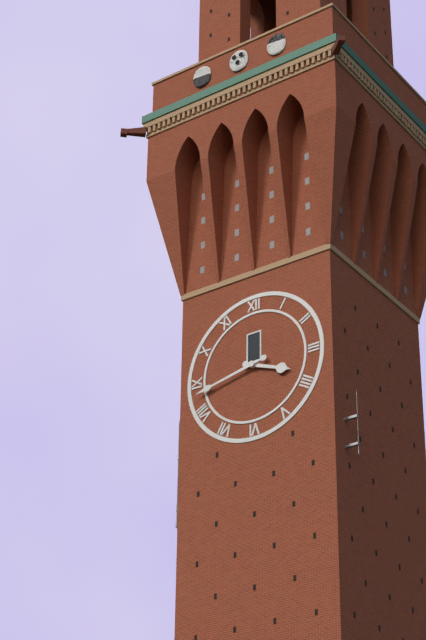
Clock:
{"hour": 3, "minute": 43}
